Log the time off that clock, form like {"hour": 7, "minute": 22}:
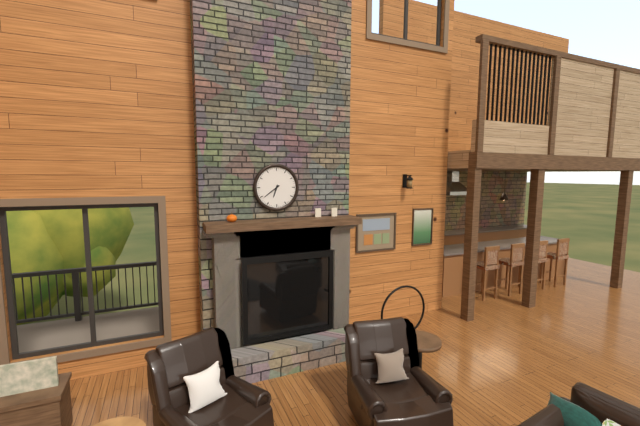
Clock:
{"hour": 6, "minute": 39}
